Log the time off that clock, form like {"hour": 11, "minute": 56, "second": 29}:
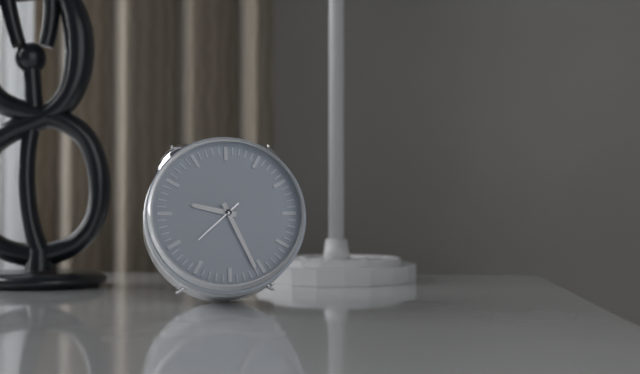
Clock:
{"hour": 9, "minute": 26, "second": 38}
